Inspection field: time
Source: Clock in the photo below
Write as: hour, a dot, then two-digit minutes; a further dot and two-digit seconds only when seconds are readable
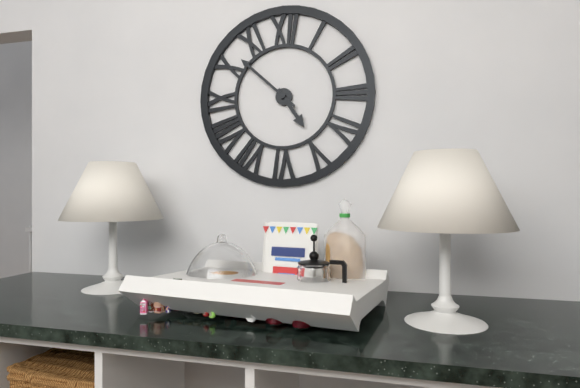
4.52
